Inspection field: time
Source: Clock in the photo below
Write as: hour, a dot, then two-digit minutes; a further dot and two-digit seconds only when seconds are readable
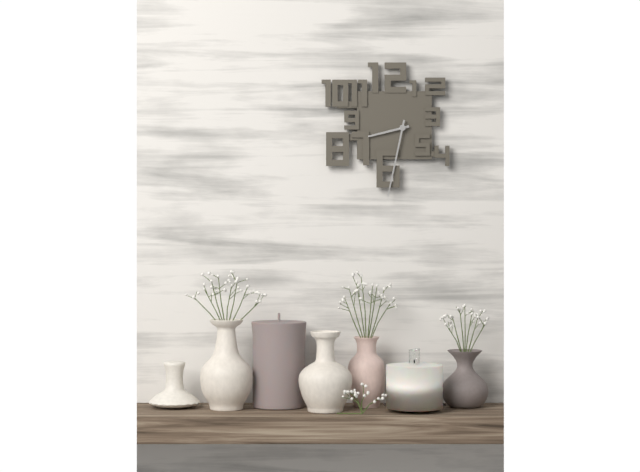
8.32
